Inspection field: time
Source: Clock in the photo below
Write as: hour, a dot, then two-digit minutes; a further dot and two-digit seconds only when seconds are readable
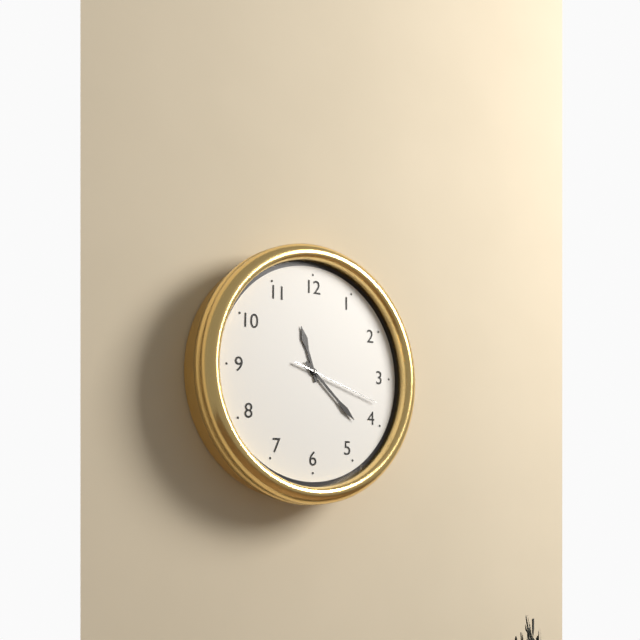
11.22.18
